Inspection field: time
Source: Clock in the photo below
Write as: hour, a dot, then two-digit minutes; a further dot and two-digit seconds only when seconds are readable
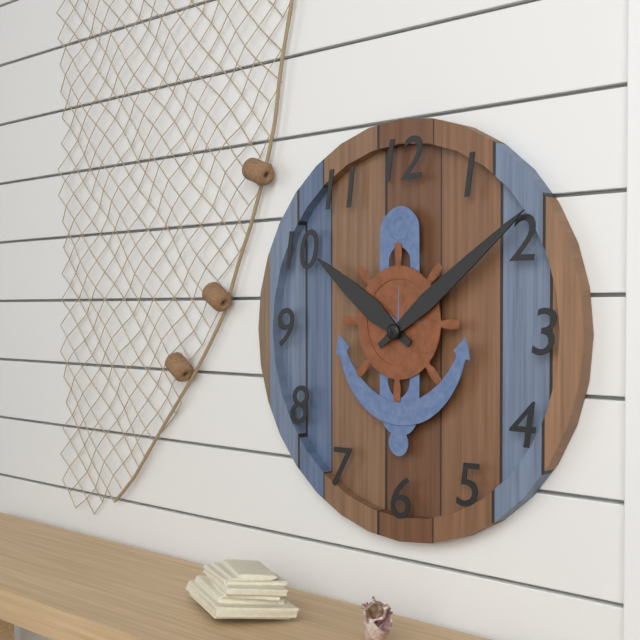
10.09
